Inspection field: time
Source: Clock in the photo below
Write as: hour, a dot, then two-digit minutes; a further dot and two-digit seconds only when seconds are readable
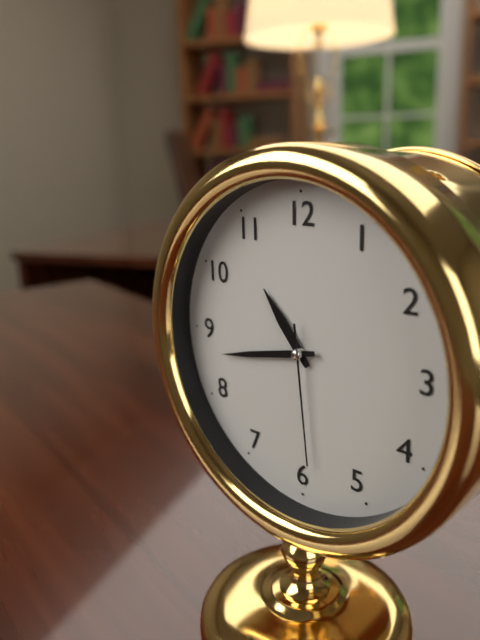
10.43.29
